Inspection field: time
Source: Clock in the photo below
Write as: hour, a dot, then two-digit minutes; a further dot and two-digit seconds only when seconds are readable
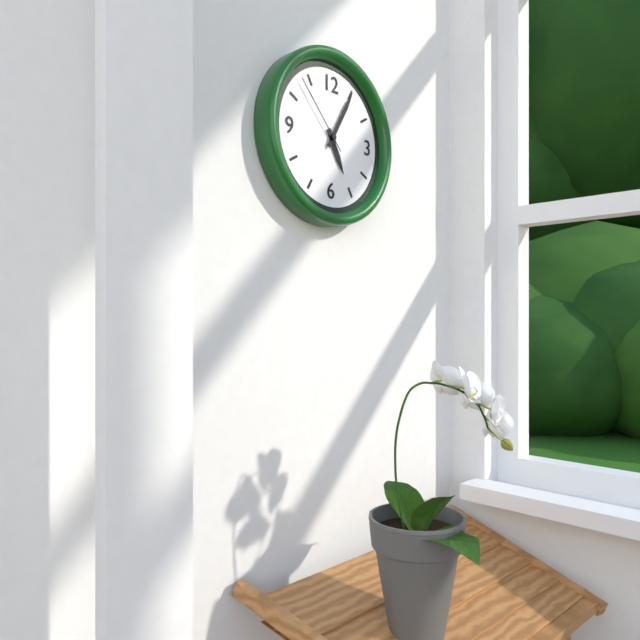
5.05.53
